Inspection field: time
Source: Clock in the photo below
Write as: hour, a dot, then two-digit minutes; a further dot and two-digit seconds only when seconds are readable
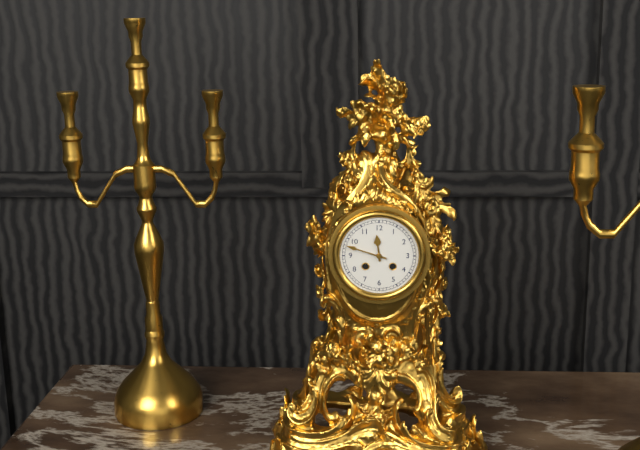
11.48
